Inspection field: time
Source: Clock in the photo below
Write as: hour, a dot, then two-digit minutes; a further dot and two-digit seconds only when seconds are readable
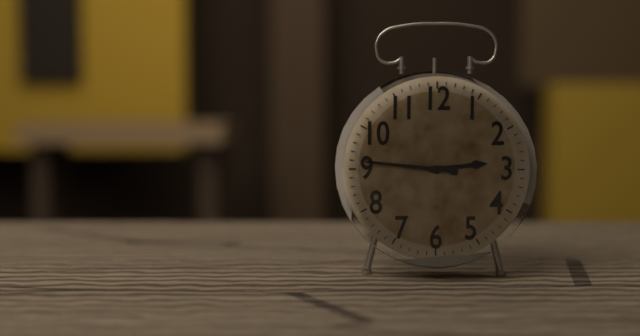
2.46
